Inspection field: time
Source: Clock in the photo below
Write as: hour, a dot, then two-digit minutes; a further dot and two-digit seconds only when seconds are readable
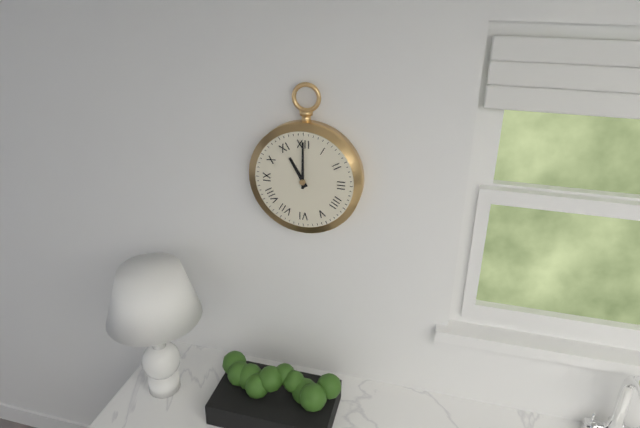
11.00
